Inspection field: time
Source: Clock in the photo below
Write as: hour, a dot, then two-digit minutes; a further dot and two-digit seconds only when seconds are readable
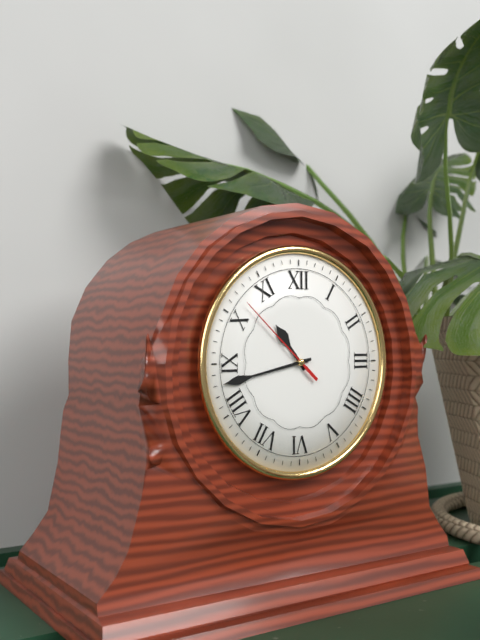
10.43.52
